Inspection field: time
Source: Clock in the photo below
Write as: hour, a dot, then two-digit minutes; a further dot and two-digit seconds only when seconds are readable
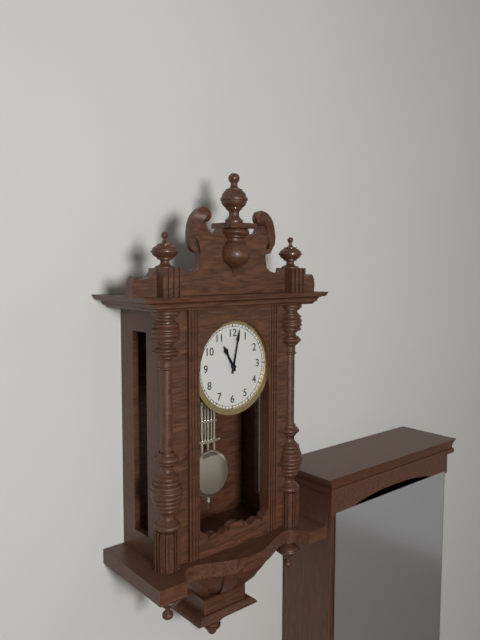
11.02
